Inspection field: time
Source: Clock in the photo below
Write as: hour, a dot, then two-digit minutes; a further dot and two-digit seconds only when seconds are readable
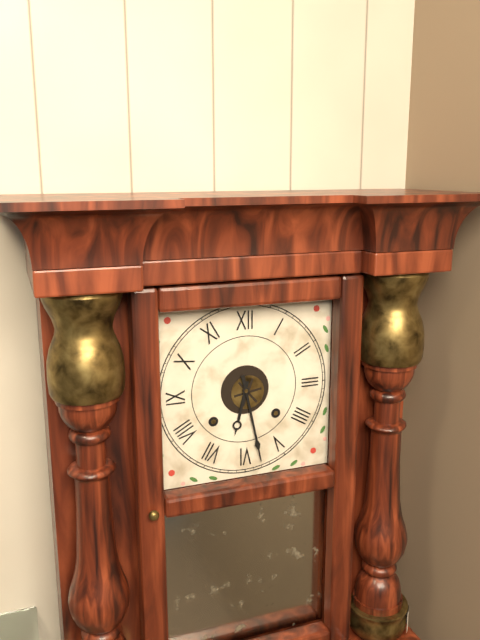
6.28
